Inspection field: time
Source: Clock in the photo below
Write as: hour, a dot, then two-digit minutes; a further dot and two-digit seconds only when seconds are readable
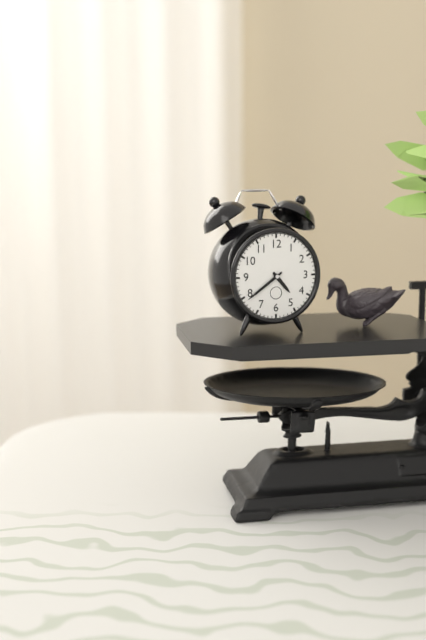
4.39
